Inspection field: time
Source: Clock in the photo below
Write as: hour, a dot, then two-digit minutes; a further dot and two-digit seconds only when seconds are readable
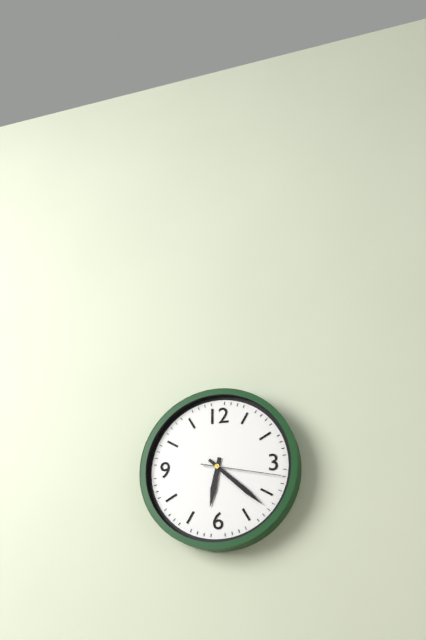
6.22.17
